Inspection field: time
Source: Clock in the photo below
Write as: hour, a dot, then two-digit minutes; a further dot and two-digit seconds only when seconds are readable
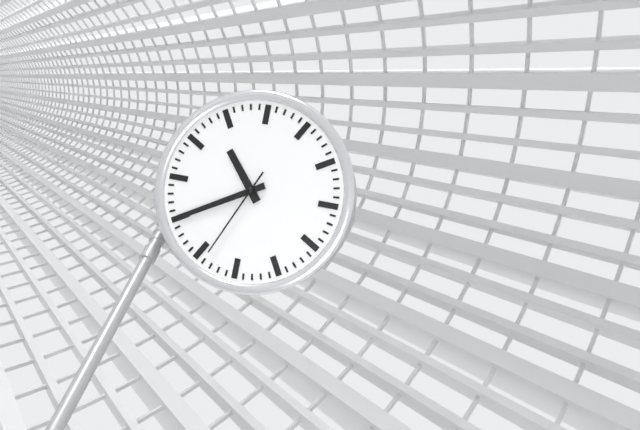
10.40.34
